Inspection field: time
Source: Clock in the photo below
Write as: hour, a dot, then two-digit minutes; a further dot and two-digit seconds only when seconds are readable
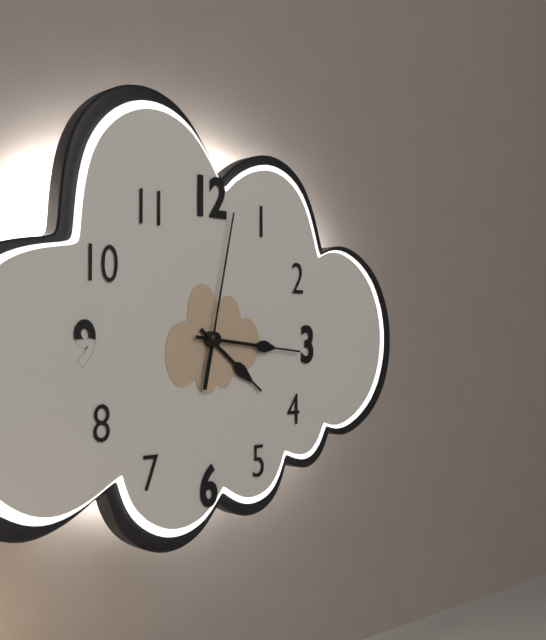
4.16.02
